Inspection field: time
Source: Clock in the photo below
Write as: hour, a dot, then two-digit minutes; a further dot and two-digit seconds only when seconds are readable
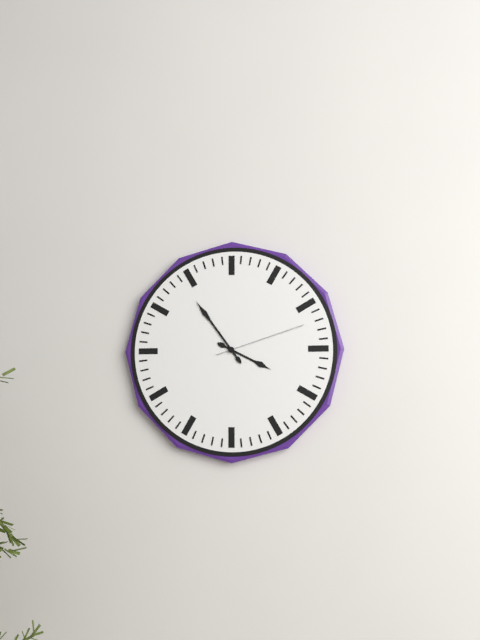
3.54.12
